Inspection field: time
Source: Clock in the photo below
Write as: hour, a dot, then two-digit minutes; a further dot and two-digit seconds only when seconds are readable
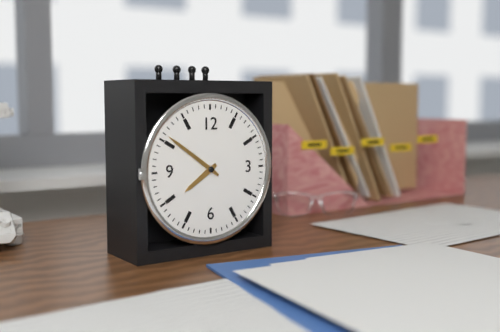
7.51
